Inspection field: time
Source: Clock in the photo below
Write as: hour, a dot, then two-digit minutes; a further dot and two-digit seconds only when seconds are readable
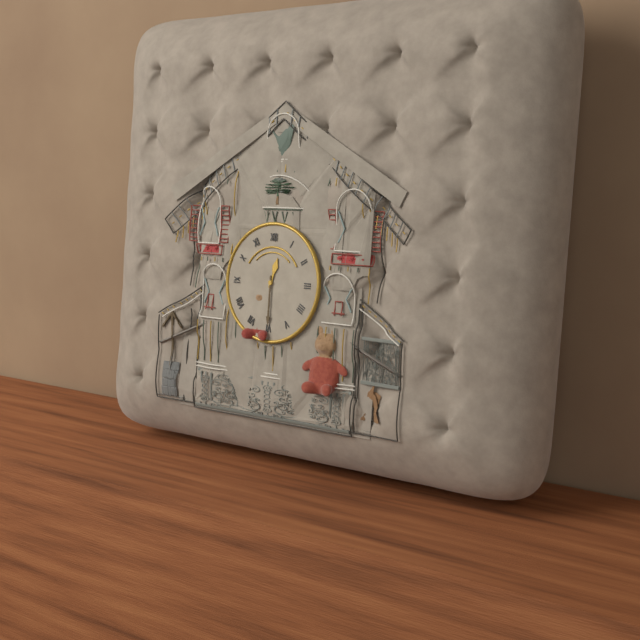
12.30
